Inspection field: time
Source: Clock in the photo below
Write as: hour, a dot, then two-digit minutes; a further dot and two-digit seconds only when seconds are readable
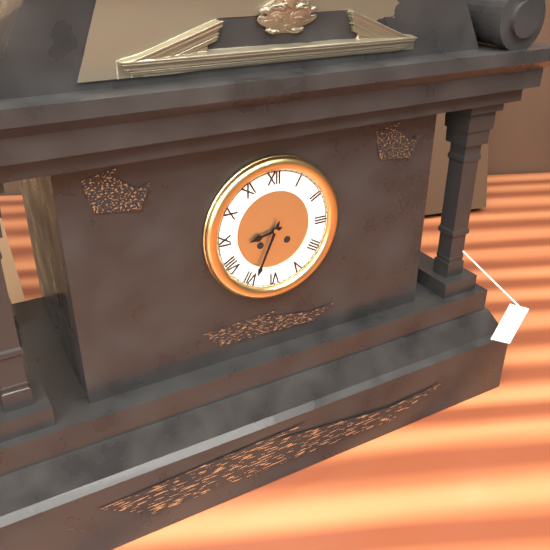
8.34
